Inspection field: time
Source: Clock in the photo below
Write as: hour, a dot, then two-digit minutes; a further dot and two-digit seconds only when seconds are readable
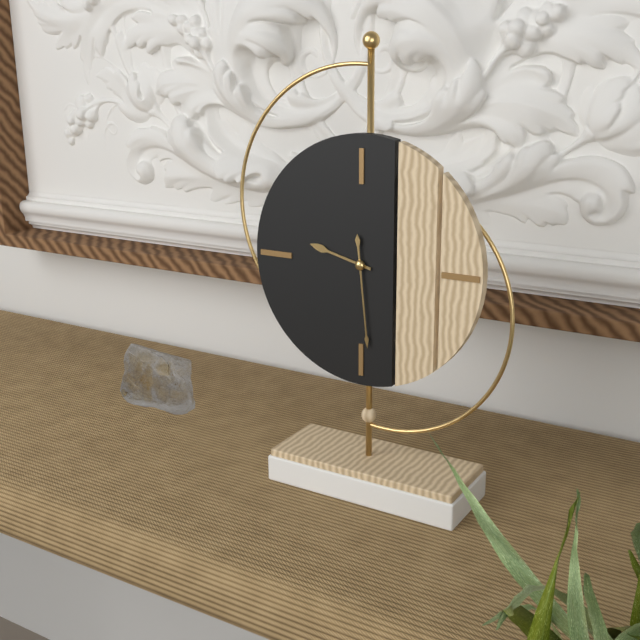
9.29
